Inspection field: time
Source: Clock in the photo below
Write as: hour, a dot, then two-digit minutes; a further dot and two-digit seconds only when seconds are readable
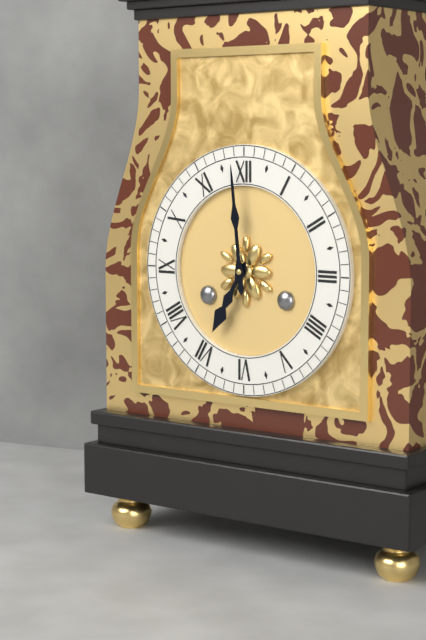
6.59
